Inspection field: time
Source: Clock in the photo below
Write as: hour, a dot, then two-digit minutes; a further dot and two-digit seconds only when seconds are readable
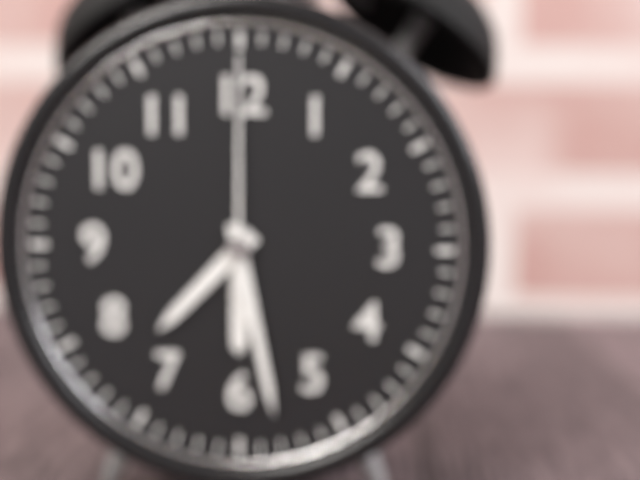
7.28.00
